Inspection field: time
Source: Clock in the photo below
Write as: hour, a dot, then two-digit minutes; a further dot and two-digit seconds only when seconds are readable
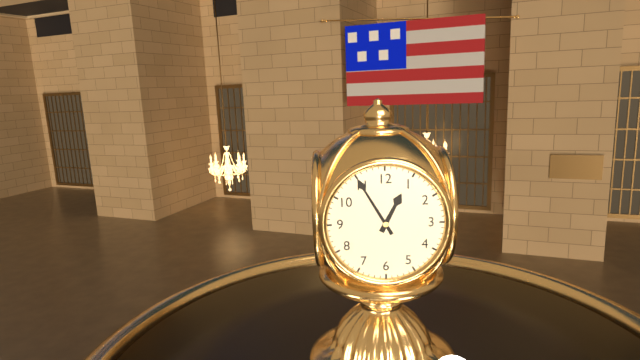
12.55
